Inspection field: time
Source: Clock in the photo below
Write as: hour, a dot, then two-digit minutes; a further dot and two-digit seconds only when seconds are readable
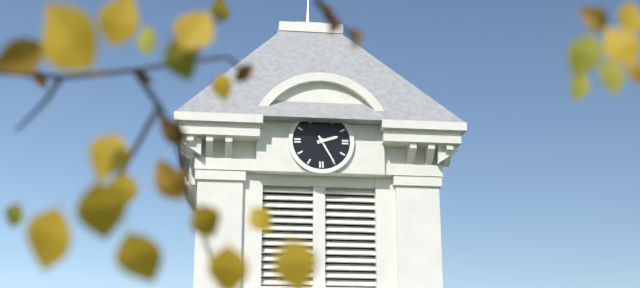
2.25
